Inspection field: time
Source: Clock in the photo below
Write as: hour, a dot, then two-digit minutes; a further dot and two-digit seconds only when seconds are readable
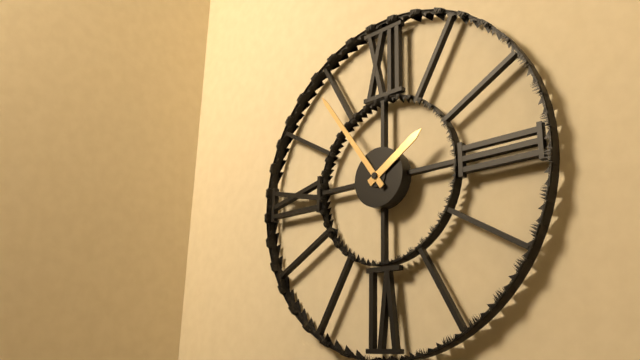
1.54
